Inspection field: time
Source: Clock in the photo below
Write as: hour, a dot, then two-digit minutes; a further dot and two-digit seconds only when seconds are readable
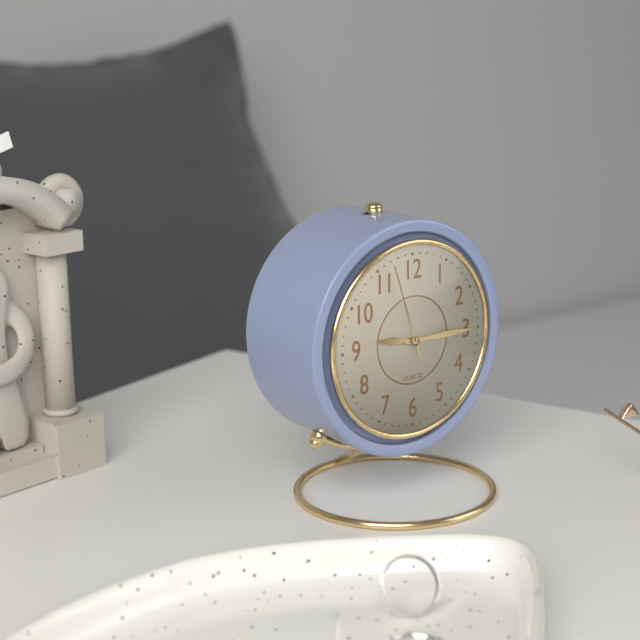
9.15.57
